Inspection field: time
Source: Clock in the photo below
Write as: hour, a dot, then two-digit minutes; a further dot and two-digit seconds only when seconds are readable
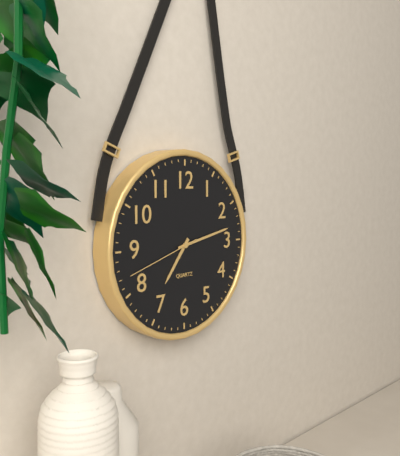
7.13.42
